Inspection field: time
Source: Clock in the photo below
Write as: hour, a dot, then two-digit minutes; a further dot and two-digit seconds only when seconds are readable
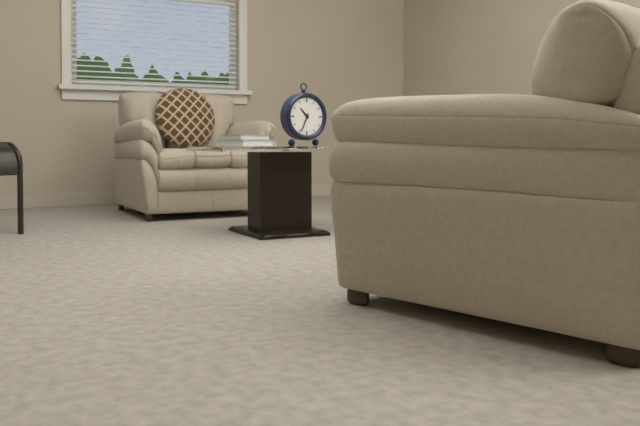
10.34
